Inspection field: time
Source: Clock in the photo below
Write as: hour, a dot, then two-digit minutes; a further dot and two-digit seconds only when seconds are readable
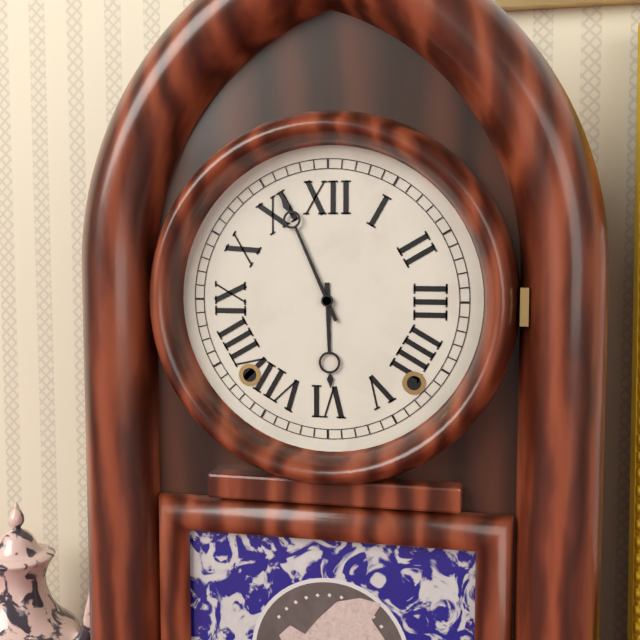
5.56
